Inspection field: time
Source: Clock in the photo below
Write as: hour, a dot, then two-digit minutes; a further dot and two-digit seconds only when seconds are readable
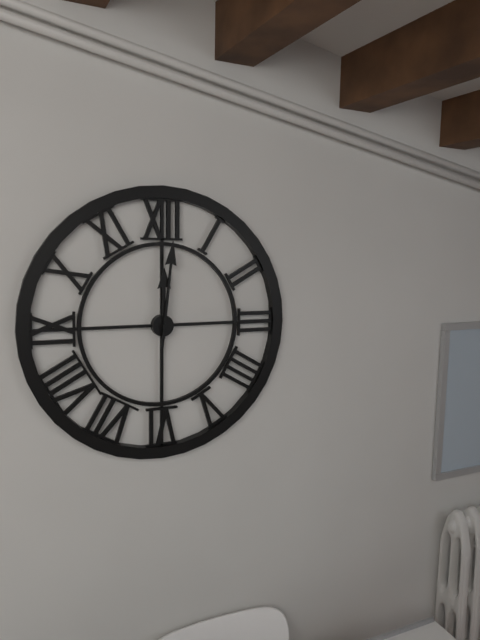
12.01
